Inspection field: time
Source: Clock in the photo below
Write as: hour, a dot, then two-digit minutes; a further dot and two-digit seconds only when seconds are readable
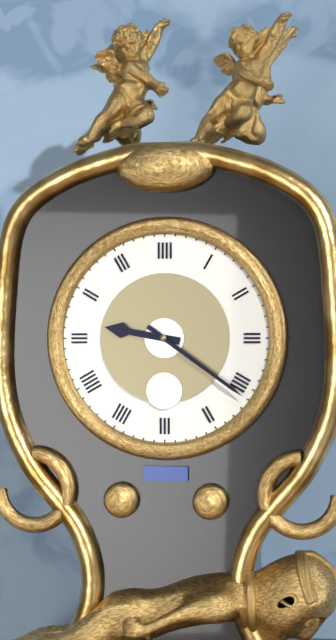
9.21
